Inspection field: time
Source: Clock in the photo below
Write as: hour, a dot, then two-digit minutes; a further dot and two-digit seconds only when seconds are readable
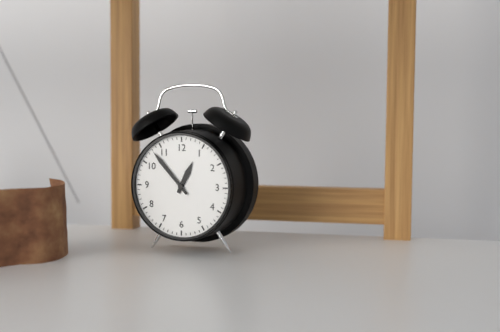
12.53
